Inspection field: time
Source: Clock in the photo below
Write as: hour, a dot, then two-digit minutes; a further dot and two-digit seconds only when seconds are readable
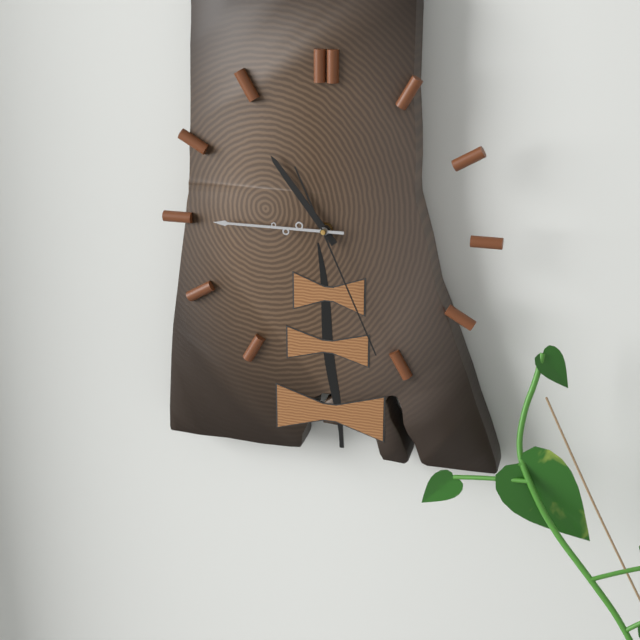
10.45.26
